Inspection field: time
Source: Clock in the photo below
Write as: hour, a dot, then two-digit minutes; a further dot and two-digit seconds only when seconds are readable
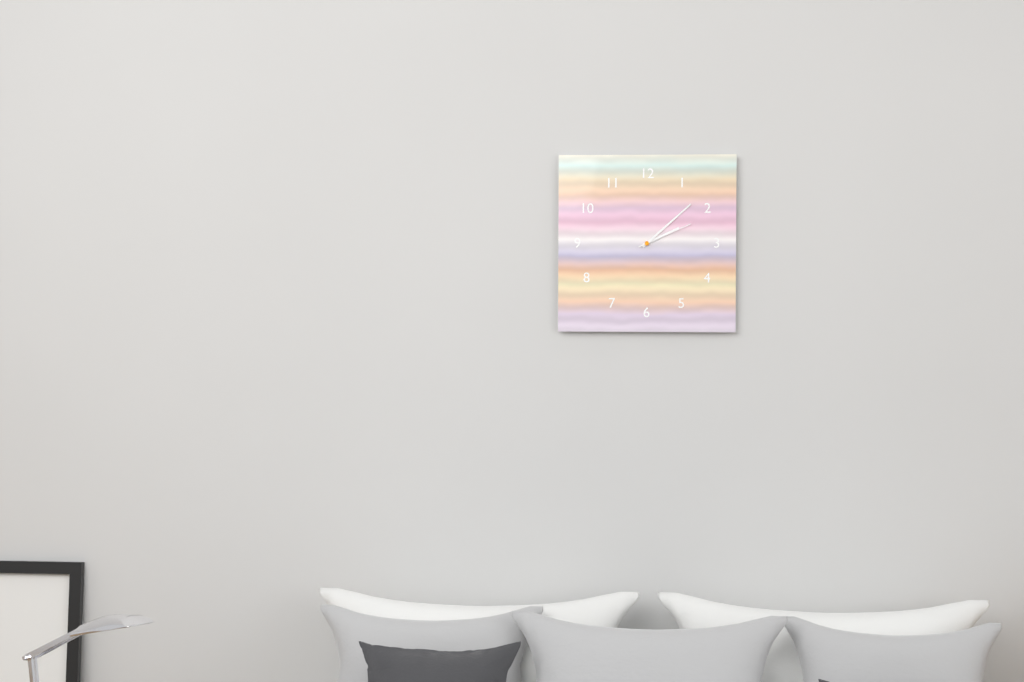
2.08.11
